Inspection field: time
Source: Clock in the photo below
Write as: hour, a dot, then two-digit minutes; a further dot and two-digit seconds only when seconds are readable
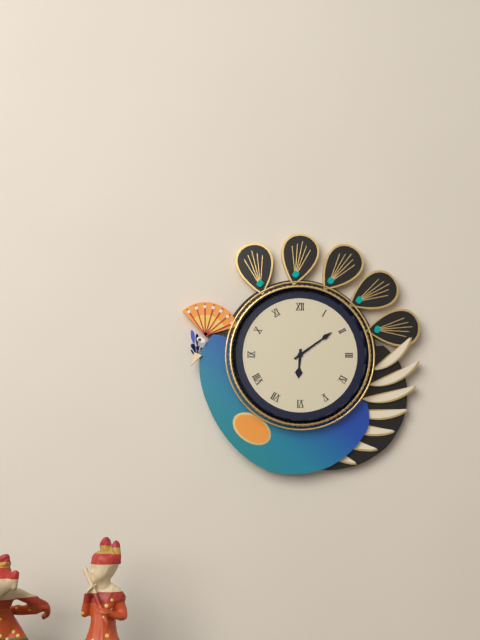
6.09
